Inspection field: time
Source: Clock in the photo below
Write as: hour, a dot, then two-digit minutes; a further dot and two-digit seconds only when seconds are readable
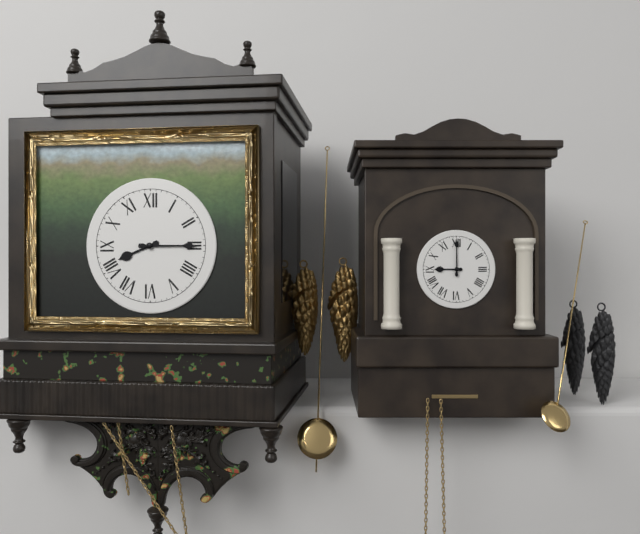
8.15
